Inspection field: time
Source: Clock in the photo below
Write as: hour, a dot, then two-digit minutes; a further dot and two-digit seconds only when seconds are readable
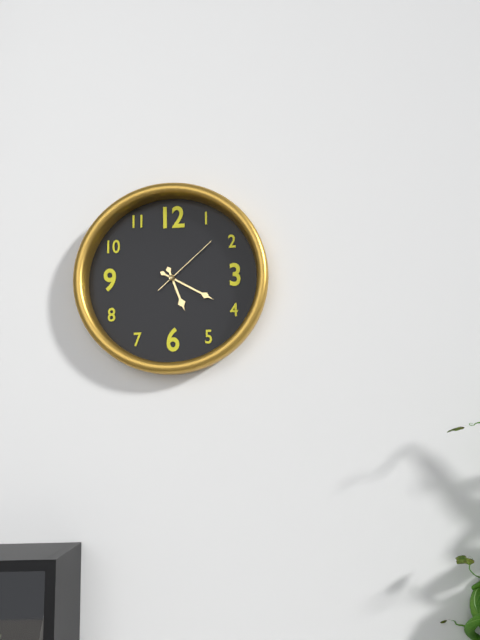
5.20.08
